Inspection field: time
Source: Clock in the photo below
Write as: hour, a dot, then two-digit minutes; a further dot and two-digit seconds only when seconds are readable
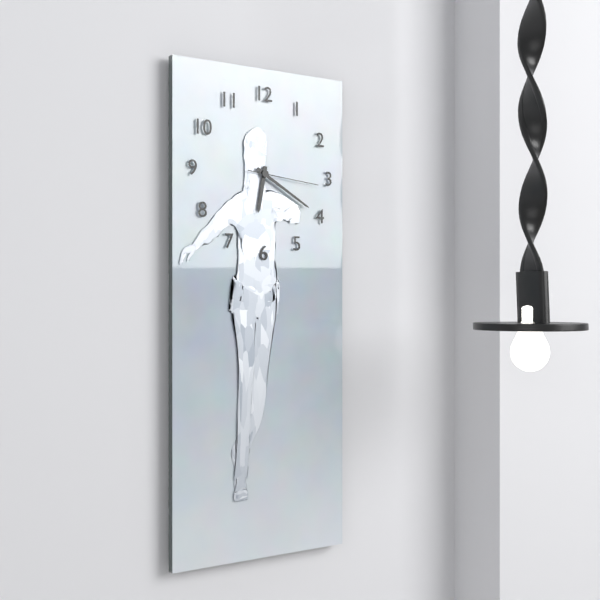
6.20.16
